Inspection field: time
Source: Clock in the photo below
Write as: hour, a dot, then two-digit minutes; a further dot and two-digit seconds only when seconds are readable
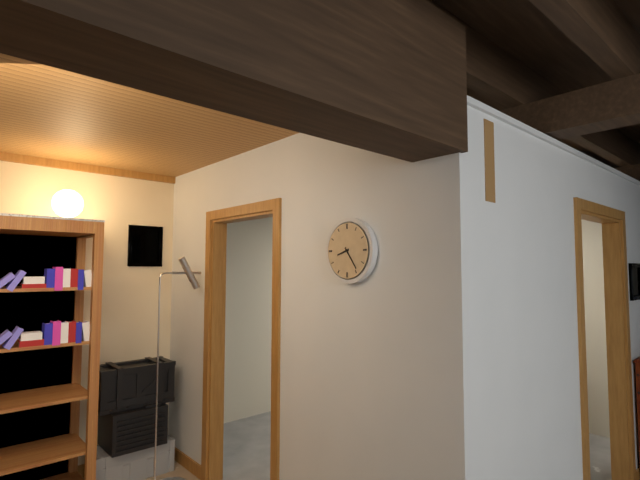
8.24
